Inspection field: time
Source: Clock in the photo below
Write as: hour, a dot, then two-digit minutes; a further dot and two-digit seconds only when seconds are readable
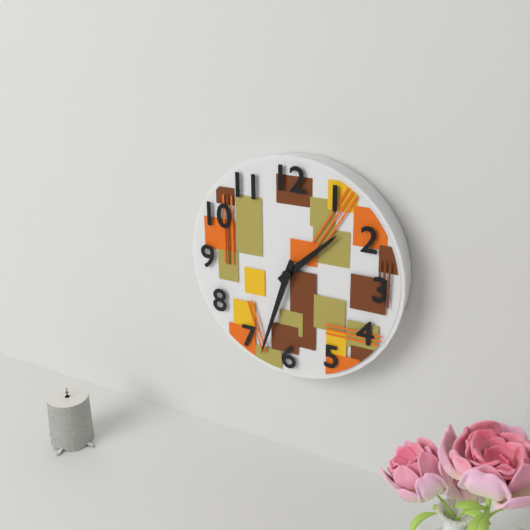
1.33
